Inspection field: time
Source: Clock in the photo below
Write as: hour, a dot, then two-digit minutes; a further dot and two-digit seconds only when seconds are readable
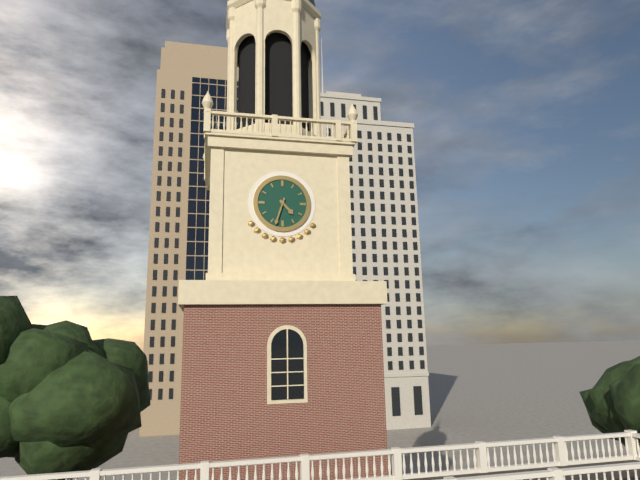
4.33
